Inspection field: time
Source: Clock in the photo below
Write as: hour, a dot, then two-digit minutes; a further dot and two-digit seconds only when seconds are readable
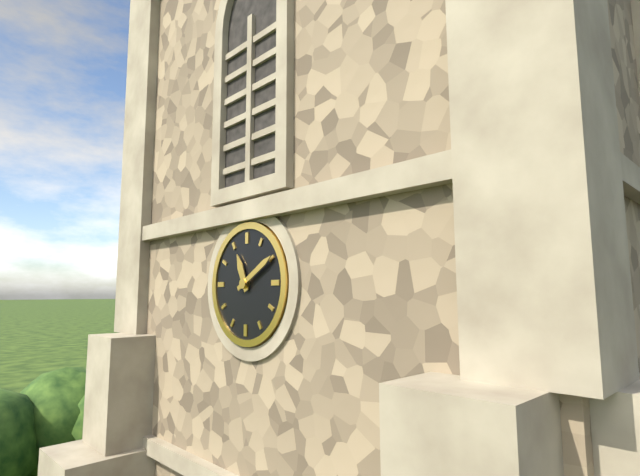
11.10
